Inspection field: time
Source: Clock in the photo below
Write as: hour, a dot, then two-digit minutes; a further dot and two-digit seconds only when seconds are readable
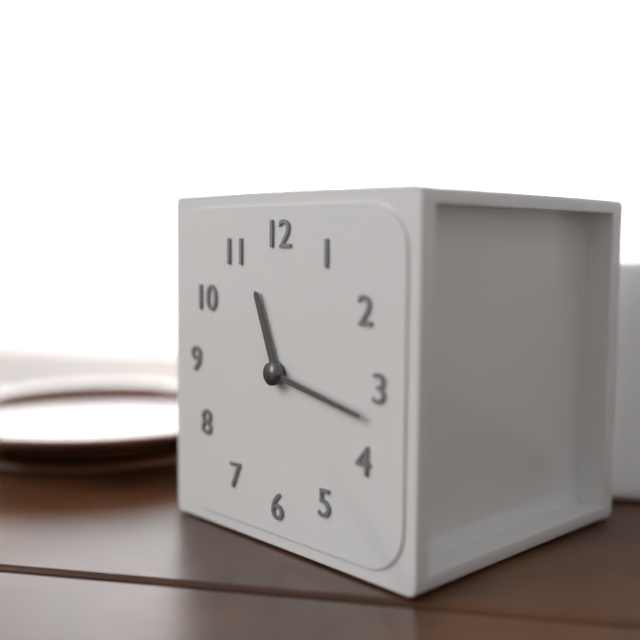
11.17
